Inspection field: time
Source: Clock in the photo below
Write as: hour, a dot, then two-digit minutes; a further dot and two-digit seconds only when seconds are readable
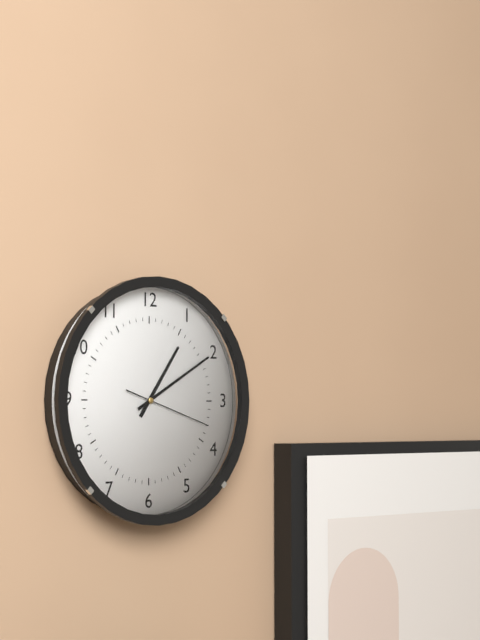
1.10.18
